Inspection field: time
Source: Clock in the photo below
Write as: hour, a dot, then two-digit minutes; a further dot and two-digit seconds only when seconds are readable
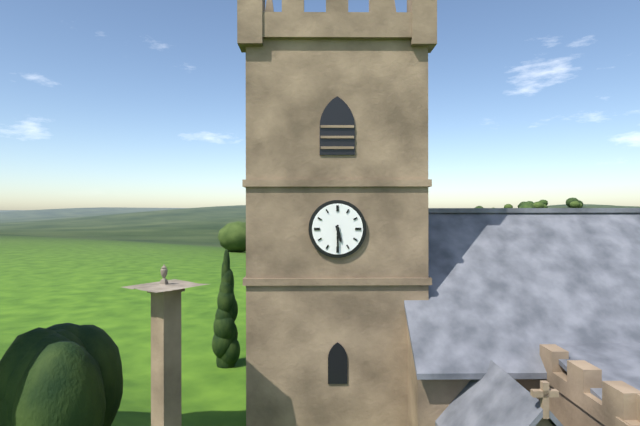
5.30
